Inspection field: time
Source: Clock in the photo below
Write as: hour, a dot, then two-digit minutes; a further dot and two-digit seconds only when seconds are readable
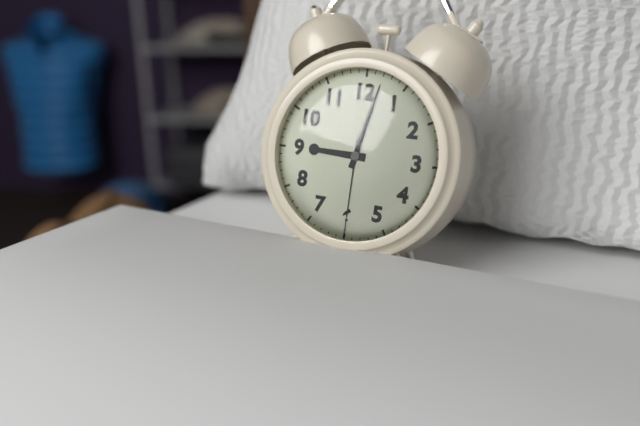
9.02.30
